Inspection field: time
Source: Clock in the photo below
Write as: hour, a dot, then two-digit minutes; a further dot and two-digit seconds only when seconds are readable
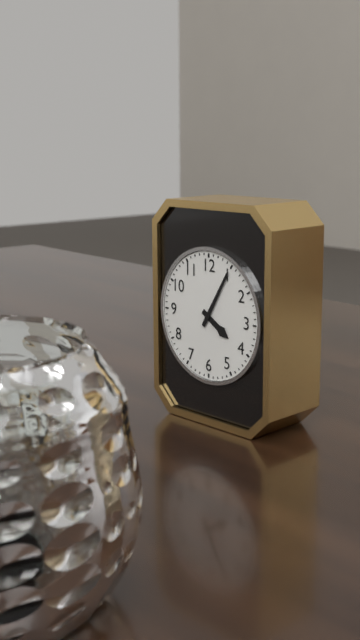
4.05
